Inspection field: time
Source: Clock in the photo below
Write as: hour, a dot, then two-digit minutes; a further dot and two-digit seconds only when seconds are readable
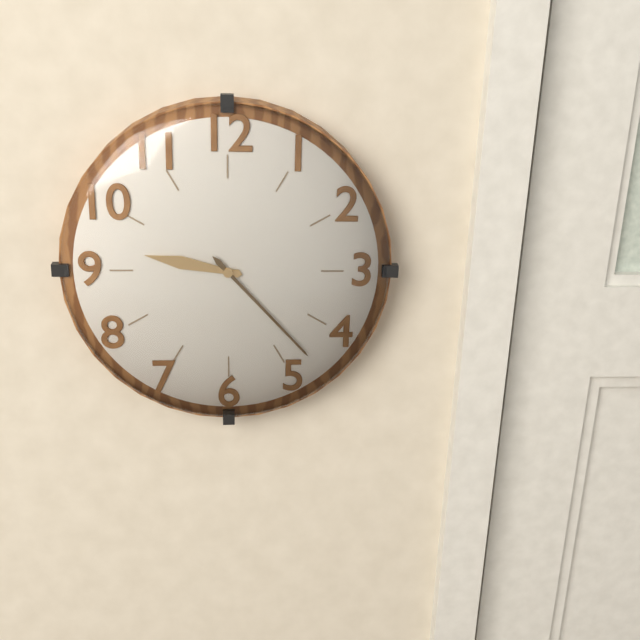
9.23
